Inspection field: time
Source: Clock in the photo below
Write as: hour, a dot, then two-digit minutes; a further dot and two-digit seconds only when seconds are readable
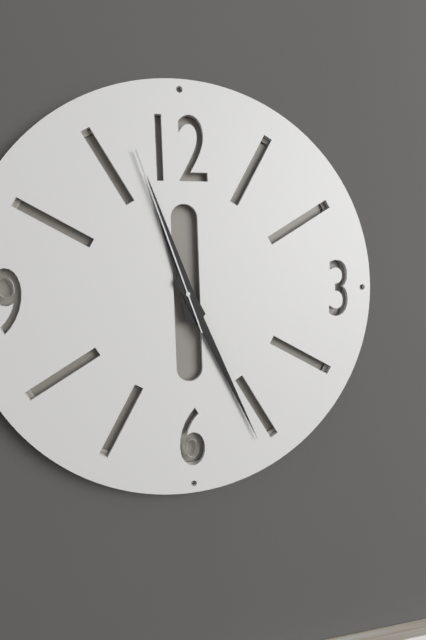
11.26.57
